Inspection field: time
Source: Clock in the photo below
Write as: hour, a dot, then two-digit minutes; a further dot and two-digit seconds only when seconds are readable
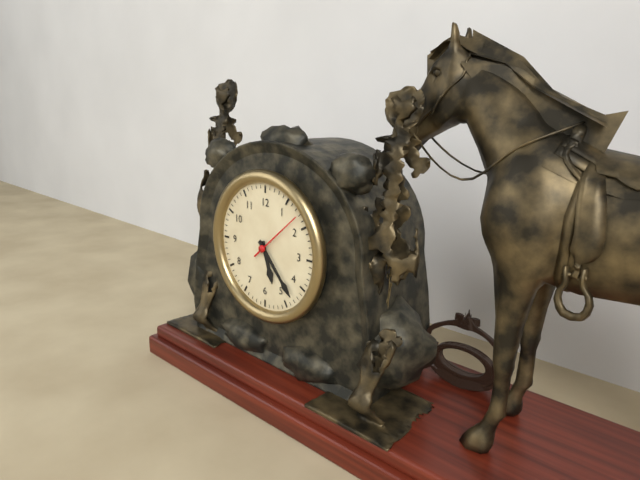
5.23.08
